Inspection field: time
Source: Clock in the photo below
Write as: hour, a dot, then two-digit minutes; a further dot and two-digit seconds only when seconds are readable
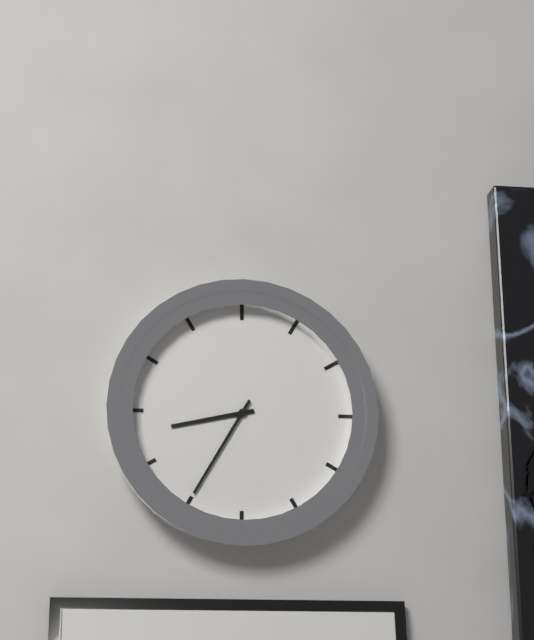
8.35
